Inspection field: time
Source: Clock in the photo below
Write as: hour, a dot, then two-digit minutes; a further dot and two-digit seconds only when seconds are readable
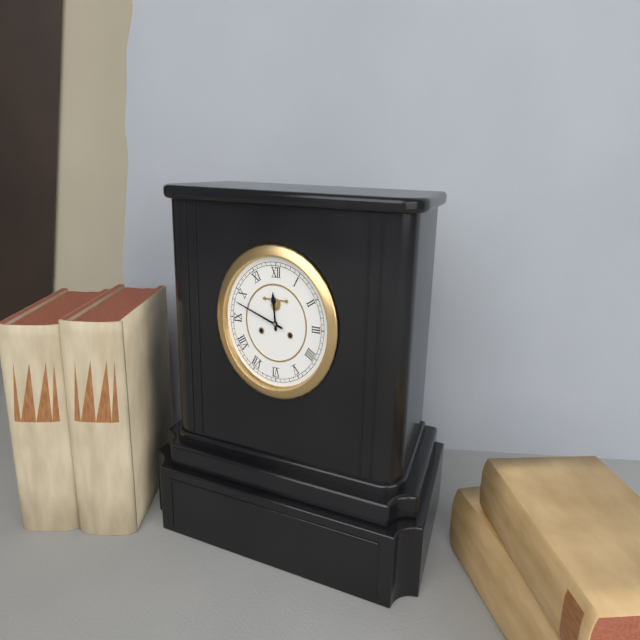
11.48
